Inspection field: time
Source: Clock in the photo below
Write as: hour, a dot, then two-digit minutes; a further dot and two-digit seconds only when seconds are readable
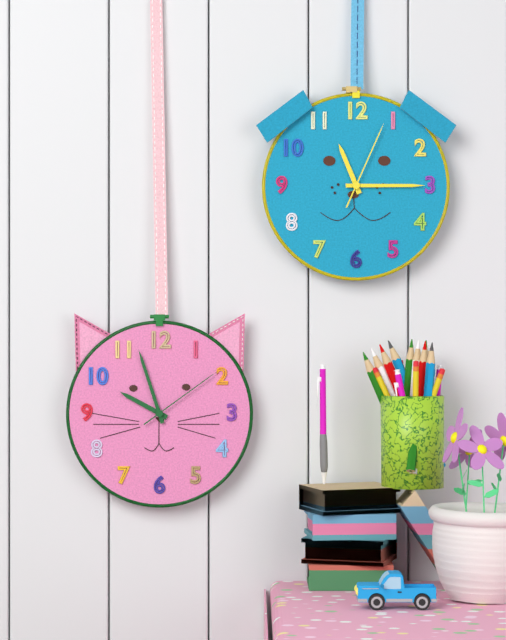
9.57.09
